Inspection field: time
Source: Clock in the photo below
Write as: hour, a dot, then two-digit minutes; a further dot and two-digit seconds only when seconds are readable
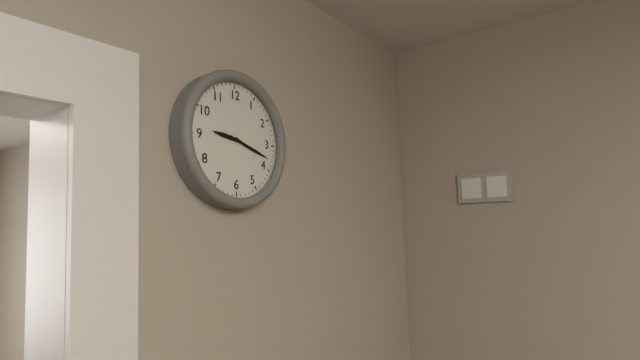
9.18
